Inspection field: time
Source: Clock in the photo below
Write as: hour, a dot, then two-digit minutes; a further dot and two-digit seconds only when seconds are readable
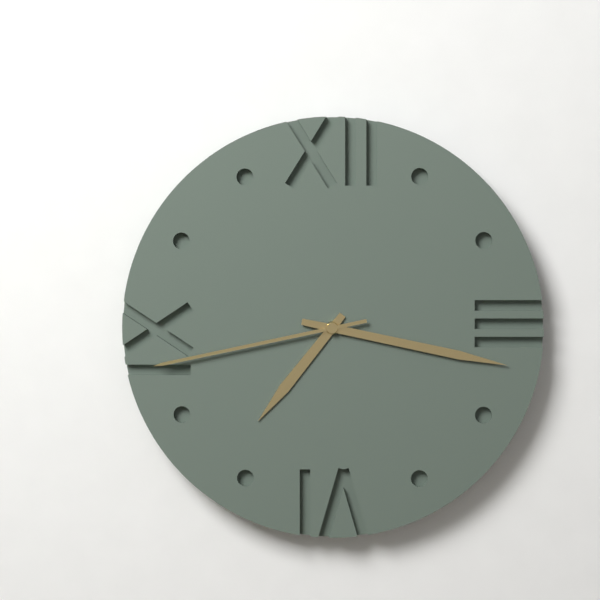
7.17.43
